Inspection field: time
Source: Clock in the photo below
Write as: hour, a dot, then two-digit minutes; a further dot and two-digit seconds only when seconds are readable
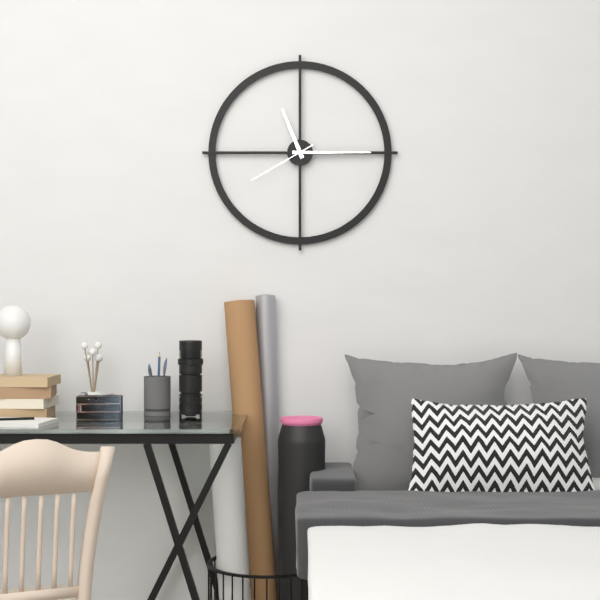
11.15.40
